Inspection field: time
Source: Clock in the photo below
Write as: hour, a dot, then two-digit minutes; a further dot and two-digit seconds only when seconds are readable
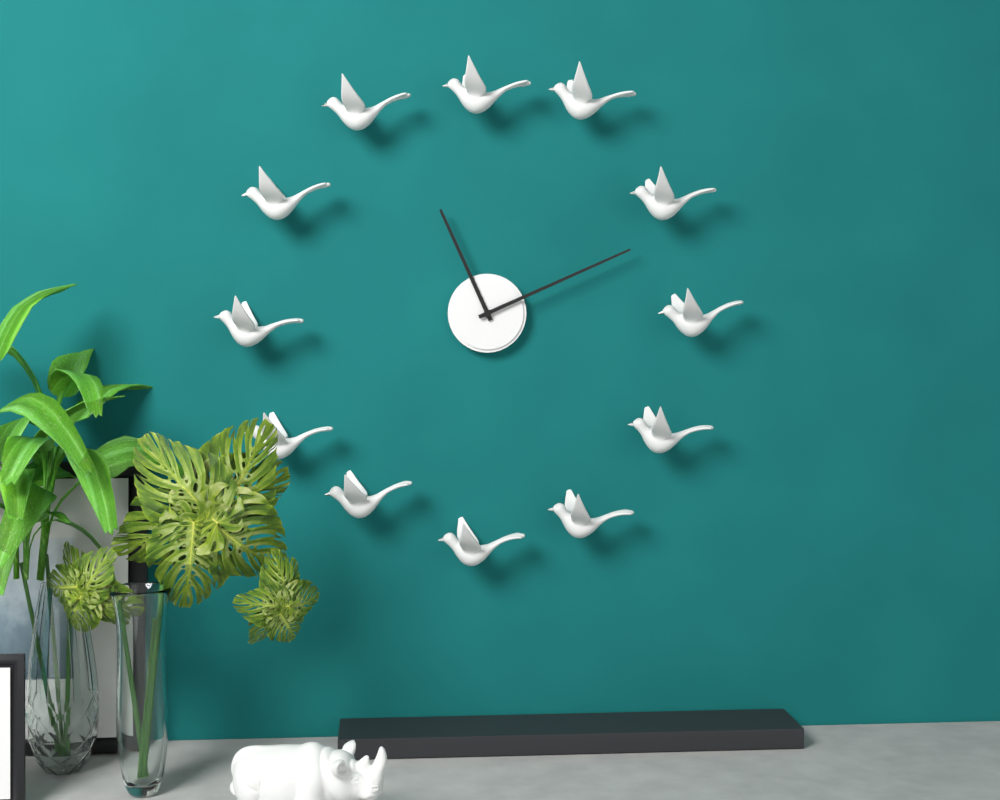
11.11
